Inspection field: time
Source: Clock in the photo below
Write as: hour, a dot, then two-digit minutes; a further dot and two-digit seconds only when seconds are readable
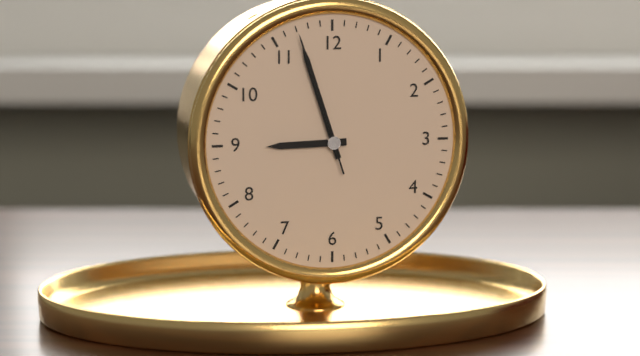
8.57.57
